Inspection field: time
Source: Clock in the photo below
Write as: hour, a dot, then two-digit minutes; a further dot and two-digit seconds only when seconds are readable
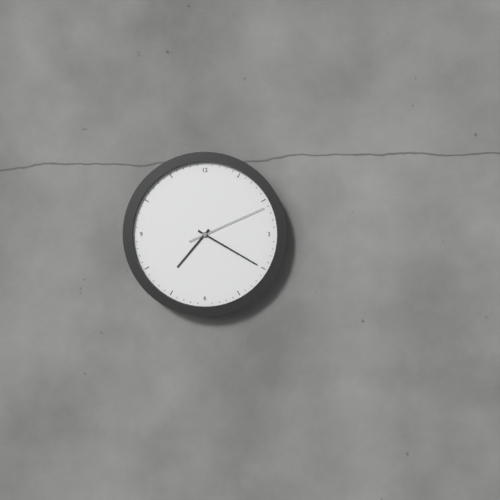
7.20.11
